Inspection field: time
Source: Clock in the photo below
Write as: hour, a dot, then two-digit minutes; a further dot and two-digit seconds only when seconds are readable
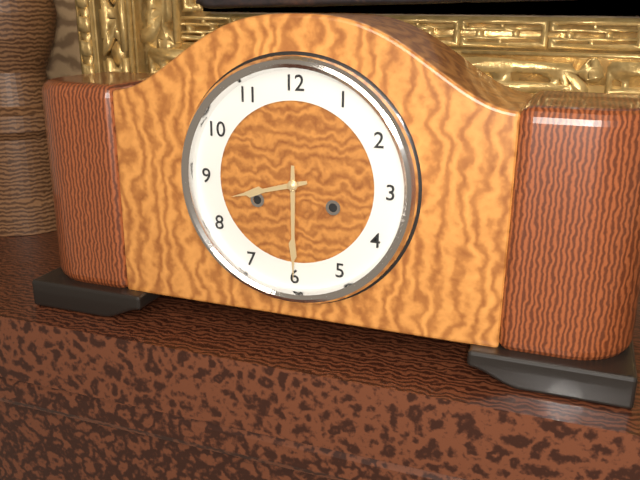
8.30
